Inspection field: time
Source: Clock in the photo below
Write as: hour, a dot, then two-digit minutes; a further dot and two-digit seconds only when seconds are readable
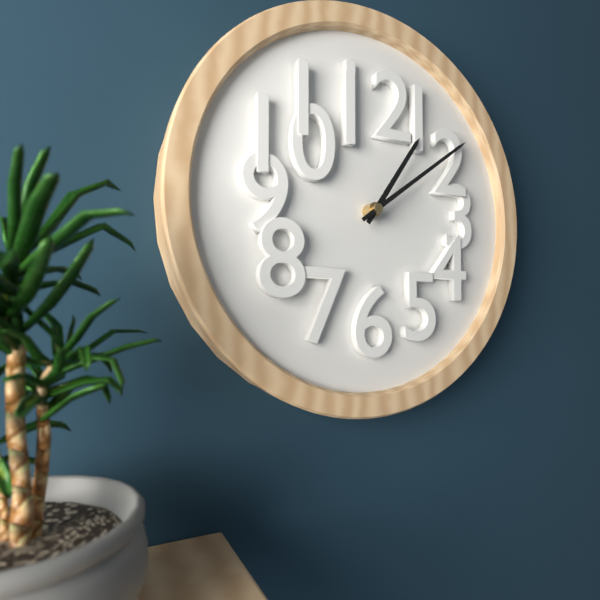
1.09
